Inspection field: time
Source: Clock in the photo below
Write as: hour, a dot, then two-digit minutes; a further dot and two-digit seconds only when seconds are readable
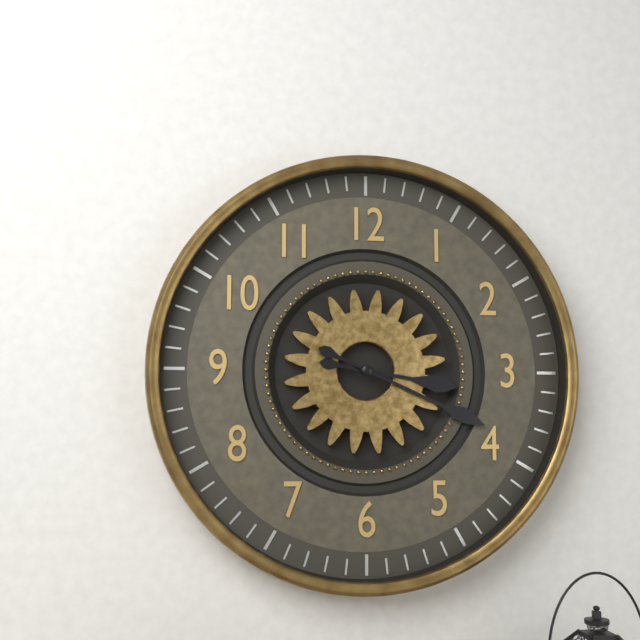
3.19
